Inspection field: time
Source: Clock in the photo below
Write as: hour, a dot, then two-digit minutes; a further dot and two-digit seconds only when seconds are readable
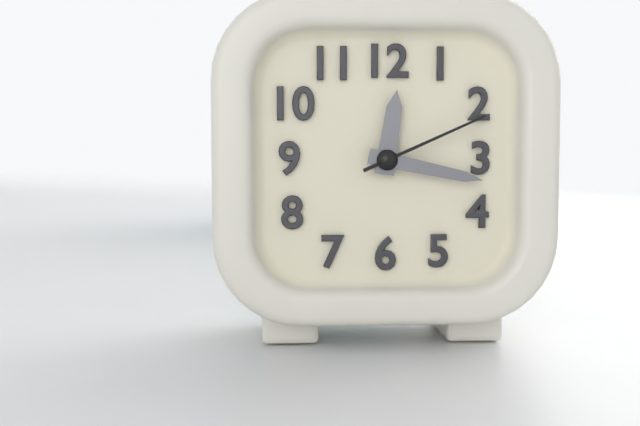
12.17.11
